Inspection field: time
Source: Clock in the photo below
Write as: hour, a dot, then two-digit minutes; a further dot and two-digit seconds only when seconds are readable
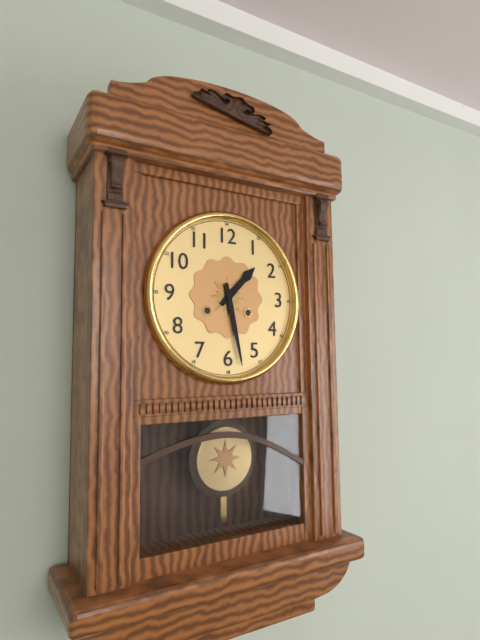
1.28
